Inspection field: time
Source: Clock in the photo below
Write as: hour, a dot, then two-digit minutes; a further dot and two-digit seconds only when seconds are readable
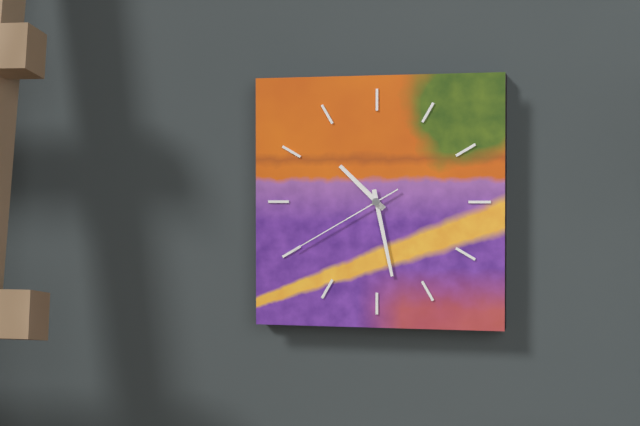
10.28.40
